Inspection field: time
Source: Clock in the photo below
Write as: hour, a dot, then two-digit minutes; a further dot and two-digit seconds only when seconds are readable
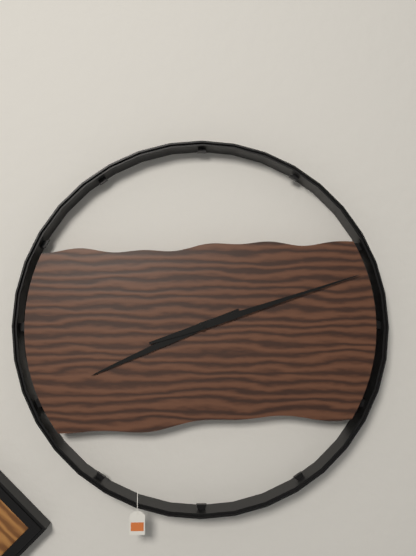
8.12
